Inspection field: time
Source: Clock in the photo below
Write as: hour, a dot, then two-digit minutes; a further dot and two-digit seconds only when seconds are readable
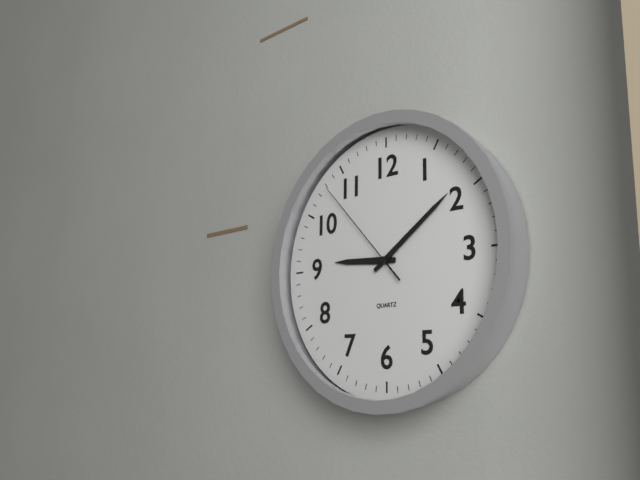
9.09.53
